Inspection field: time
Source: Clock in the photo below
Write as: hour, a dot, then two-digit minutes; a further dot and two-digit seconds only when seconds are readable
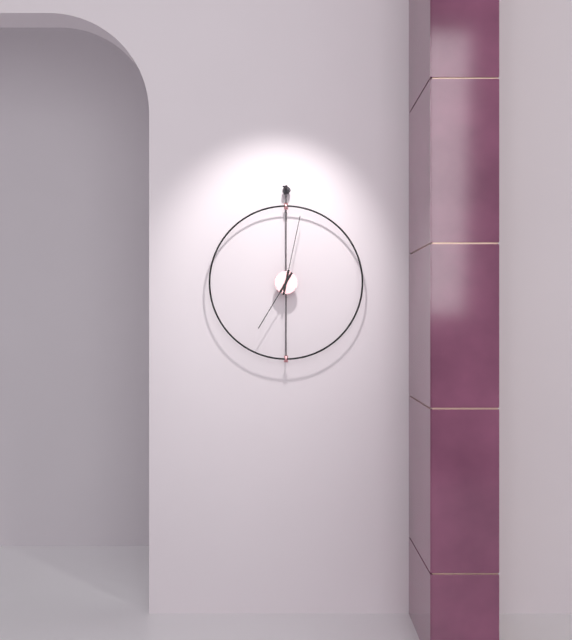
7.02
